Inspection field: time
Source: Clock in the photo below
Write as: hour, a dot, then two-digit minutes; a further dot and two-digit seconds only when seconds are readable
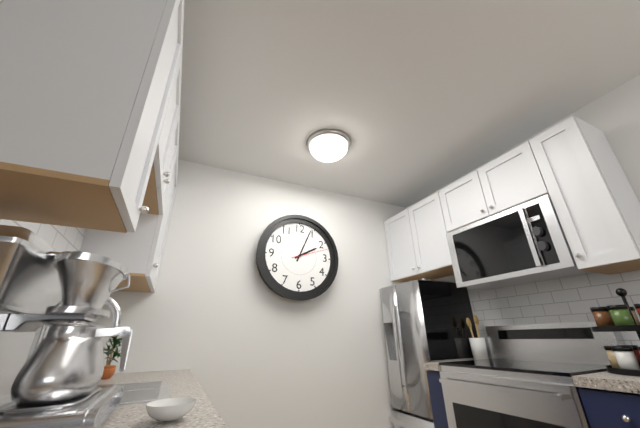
2.04
